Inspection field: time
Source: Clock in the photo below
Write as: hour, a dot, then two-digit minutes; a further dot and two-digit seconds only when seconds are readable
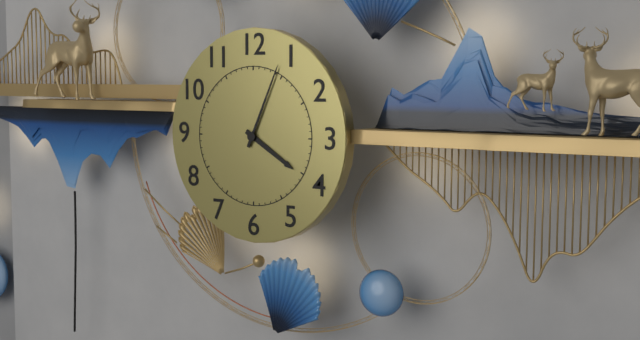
4.04
